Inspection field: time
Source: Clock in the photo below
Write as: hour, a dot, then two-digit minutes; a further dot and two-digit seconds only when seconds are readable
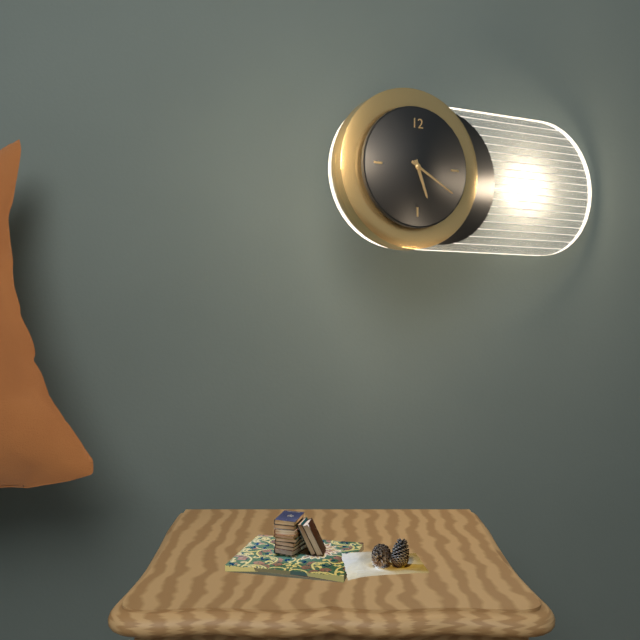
5.20
